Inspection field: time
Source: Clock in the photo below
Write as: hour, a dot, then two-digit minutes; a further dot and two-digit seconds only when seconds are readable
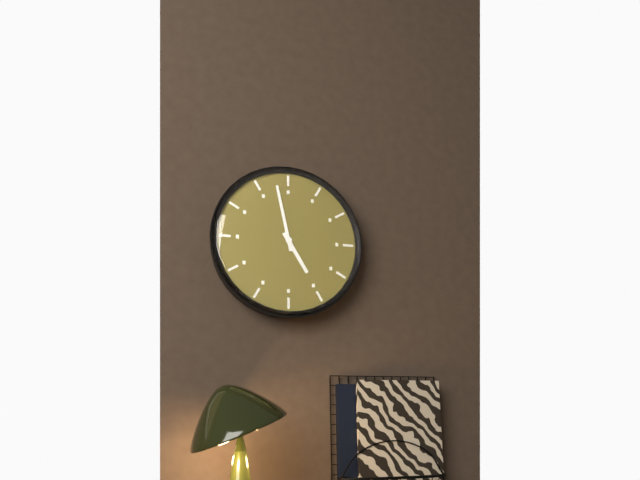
4.58
